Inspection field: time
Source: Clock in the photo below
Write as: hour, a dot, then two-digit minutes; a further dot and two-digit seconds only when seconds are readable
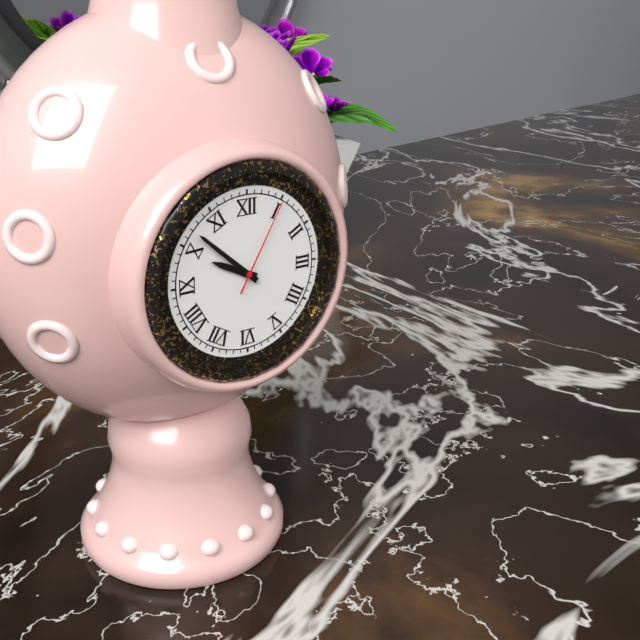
9.52.05
